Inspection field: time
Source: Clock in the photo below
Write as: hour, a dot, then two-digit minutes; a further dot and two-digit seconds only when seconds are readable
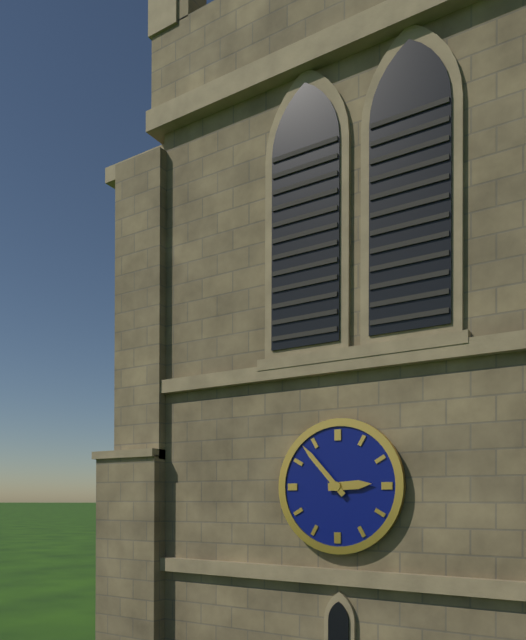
2.53
